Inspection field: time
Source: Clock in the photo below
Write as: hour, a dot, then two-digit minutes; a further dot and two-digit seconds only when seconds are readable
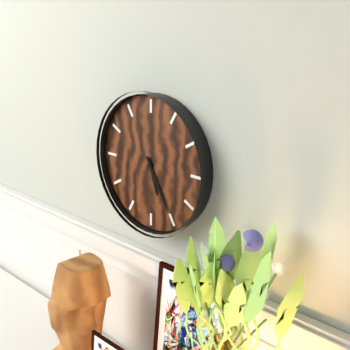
5.25
